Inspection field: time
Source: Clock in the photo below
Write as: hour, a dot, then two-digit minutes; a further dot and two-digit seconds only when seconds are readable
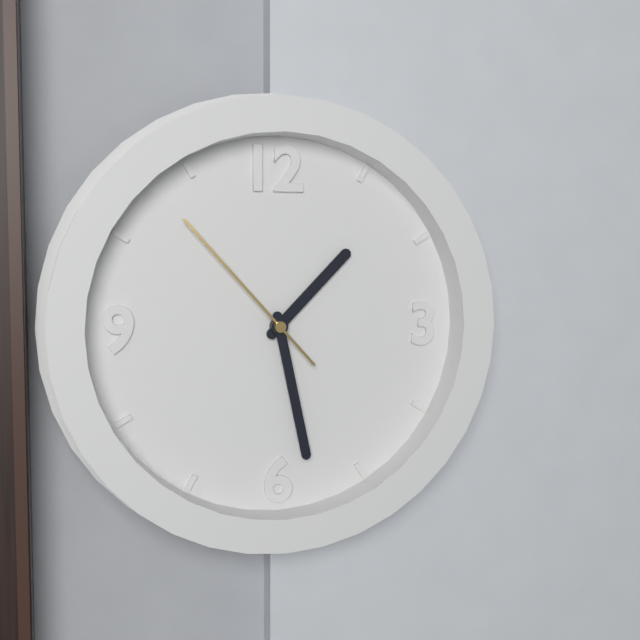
1.28.53
